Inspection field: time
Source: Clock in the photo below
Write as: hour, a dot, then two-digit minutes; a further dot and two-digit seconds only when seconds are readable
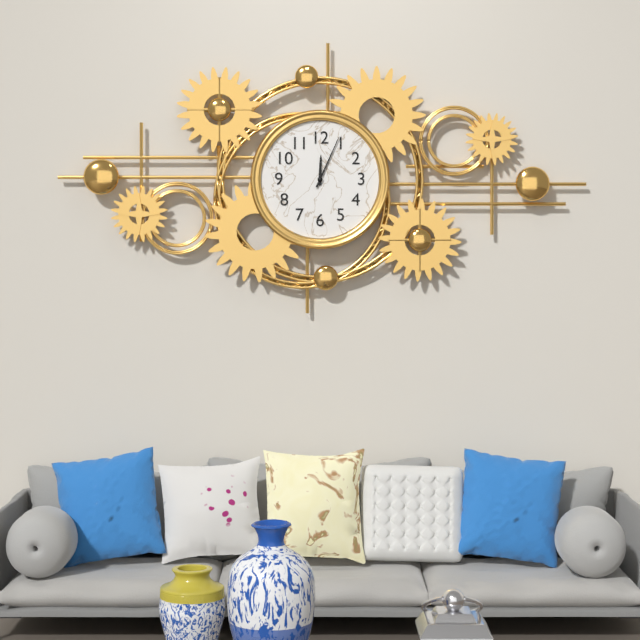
12.04
